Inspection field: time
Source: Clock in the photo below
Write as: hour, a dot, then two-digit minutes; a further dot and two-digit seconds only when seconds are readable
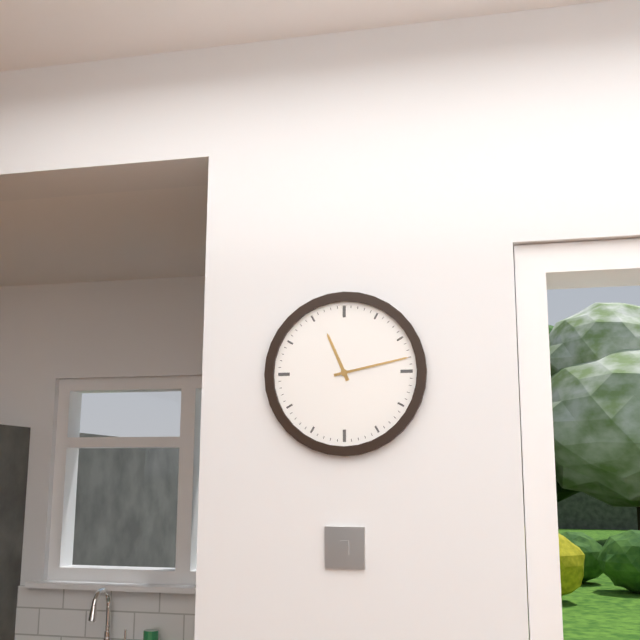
11.13
